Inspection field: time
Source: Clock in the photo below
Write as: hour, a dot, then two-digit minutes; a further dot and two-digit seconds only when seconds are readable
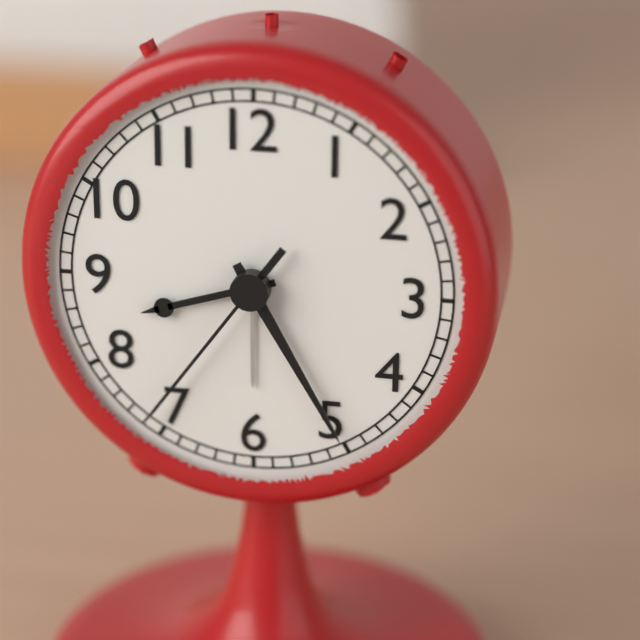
8.25.36
